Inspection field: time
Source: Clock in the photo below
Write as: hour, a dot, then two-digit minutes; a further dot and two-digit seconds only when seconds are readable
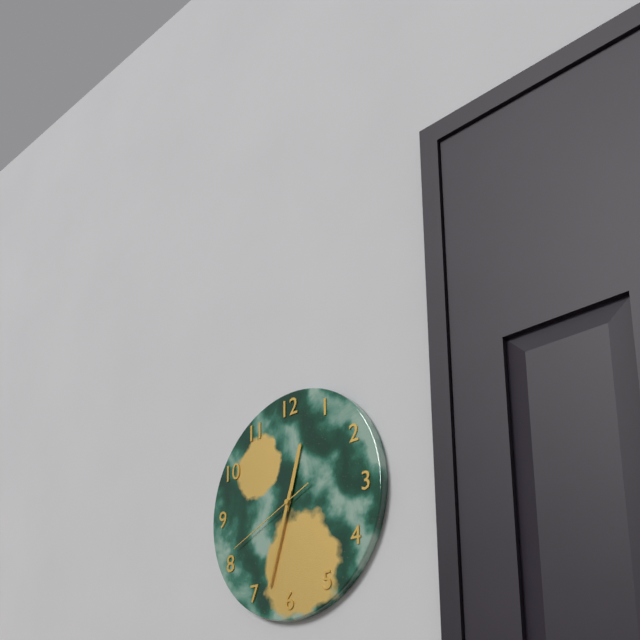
12.33.41
